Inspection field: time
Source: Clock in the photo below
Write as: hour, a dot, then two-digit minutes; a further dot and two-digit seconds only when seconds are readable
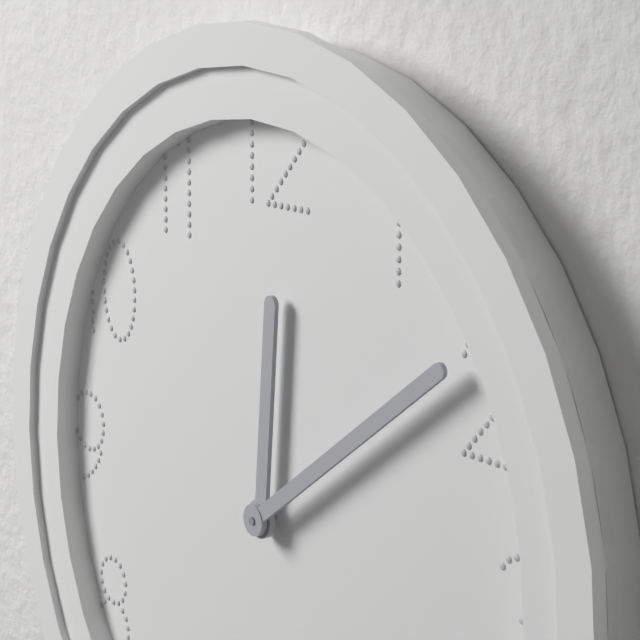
12.09
